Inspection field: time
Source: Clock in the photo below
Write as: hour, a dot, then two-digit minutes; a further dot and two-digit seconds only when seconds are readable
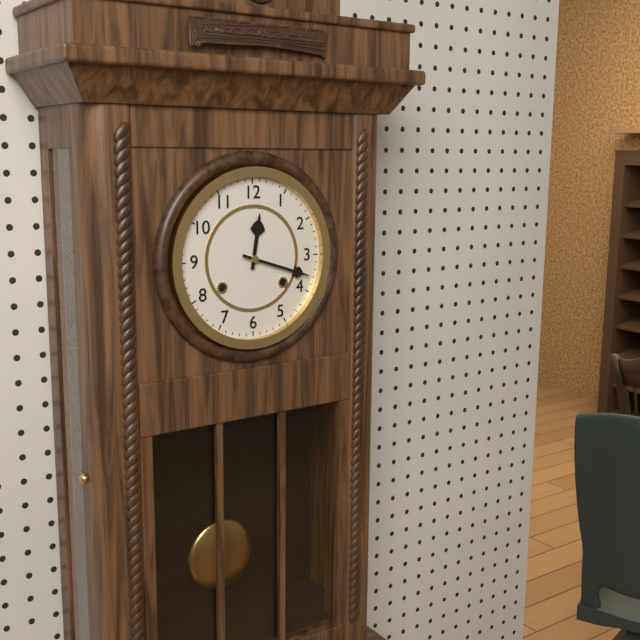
12.18
